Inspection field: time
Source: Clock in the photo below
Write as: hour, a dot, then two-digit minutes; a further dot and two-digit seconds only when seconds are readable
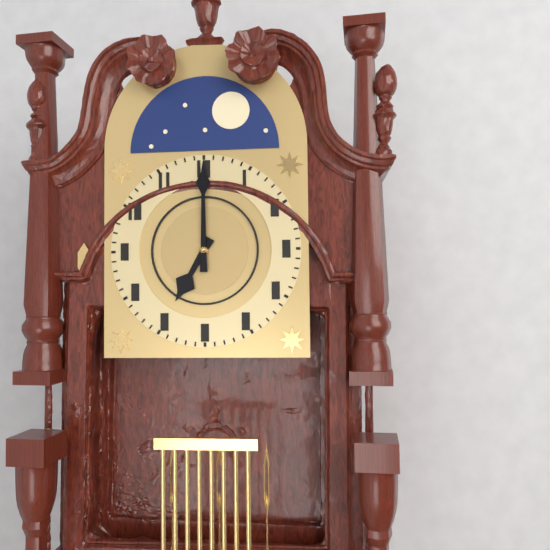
7.00
